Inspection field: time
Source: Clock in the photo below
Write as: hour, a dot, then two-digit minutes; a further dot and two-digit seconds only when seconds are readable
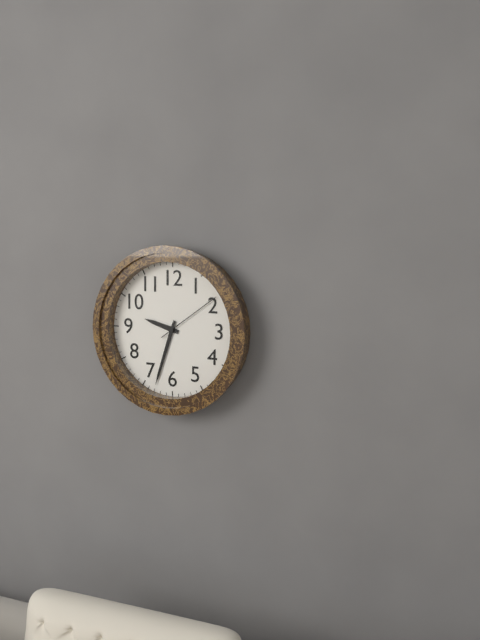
9.33.09
